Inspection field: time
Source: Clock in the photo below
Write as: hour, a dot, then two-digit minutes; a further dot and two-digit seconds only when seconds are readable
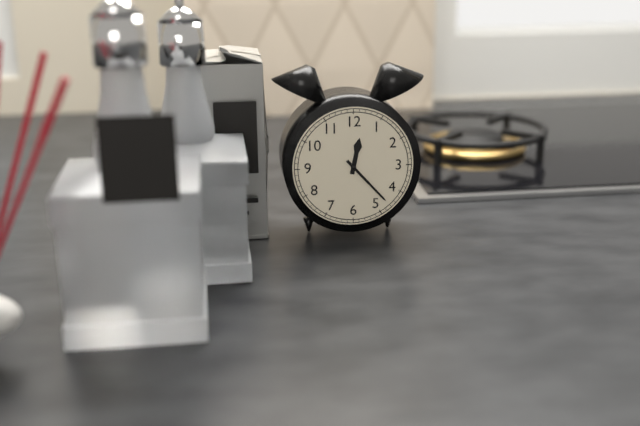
12.23
